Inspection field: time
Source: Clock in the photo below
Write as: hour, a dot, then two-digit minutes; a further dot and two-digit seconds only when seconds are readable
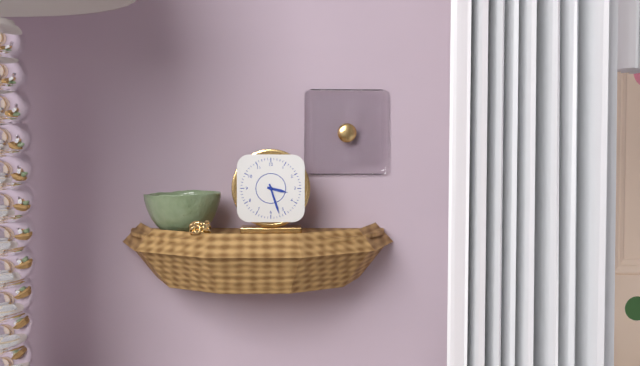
3.27
